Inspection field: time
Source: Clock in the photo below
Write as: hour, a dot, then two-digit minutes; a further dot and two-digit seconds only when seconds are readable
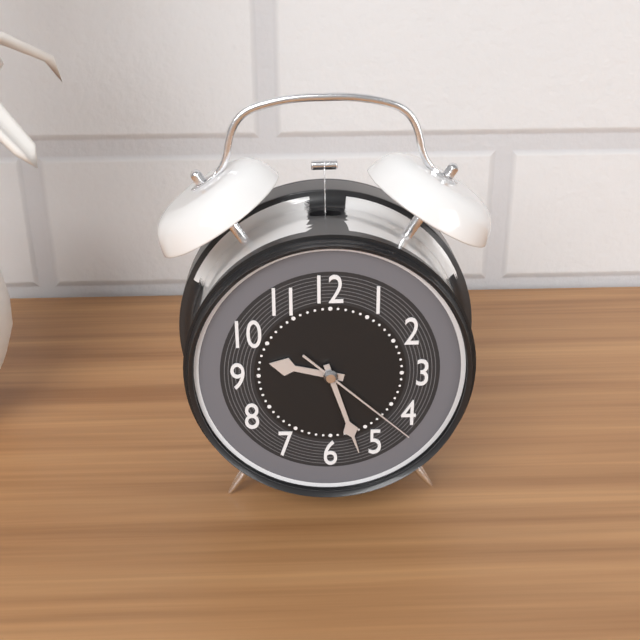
9.27.22
